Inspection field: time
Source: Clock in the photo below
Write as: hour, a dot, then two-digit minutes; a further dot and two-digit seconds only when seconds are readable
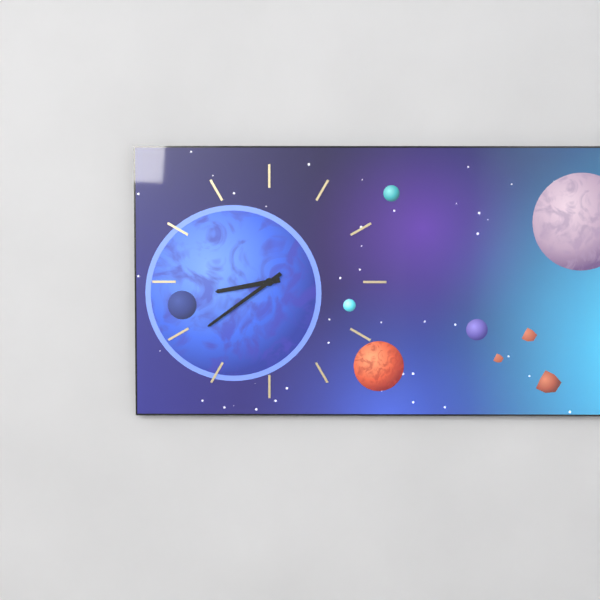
8.39
